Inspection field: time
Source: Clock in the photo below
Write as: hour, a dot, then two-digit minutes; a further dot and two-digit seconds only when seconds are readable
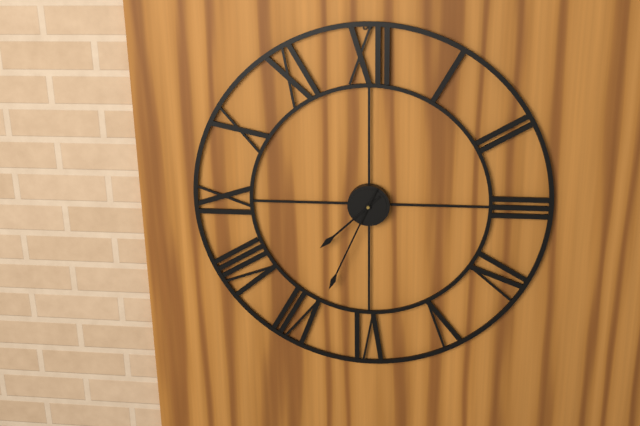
7.34
